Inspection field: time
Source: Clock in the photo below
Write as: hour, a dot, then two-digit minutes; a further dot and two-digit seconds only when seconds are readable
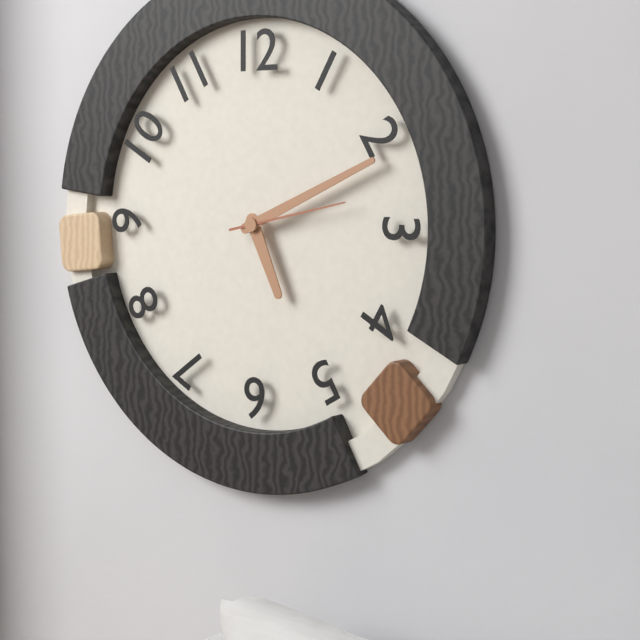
5.11.13
